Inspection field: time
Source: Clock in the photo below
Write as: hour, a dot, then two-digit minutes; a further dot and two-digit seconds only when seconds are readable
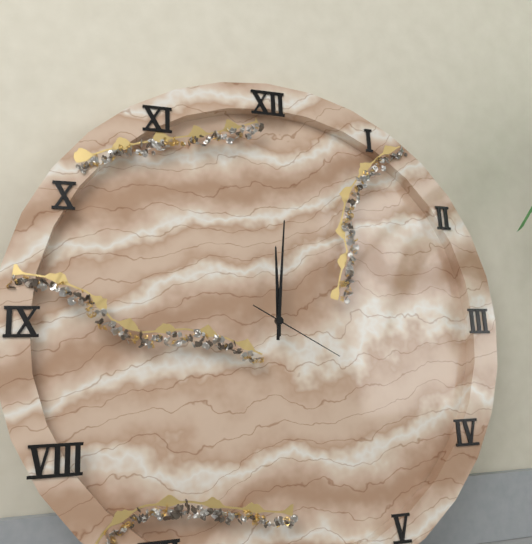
12.01.20
